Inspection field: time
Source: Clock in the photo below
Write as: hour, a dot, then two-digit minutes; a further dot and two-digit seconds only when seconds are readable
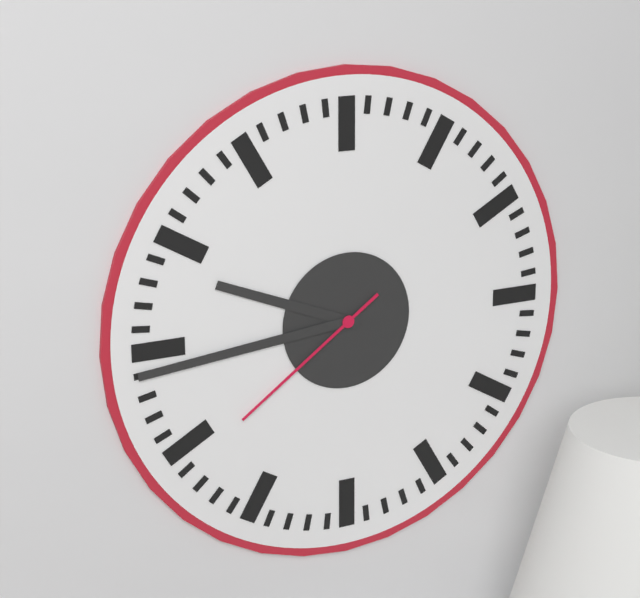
9.44.39
